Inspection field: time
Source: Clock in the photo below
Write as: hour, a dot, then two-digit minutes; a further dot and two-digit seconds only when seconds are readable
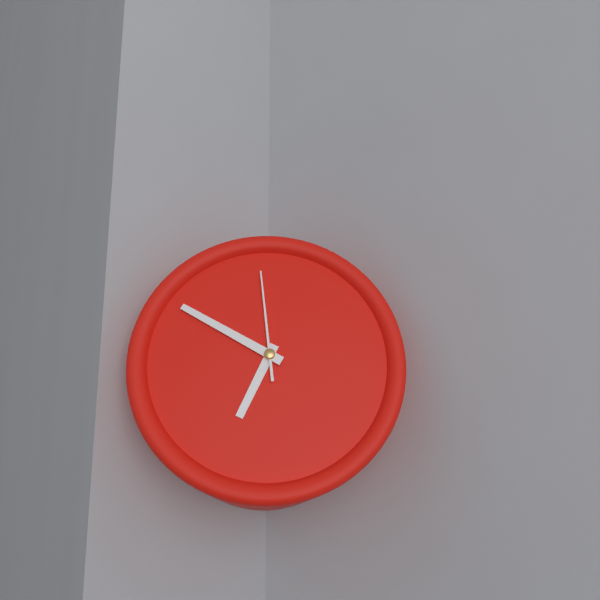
6.50.59
